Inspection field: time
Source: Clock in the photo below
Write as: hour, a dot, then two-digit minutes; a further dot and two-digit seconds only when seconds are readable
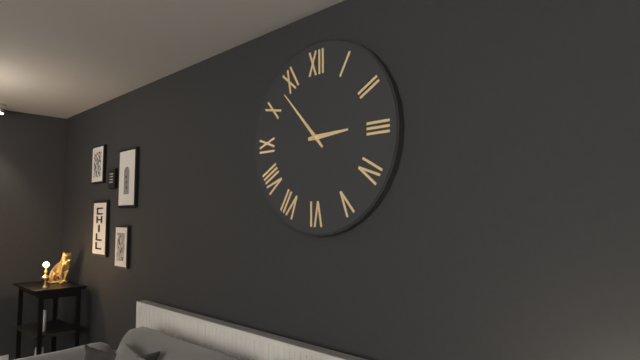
2.53
